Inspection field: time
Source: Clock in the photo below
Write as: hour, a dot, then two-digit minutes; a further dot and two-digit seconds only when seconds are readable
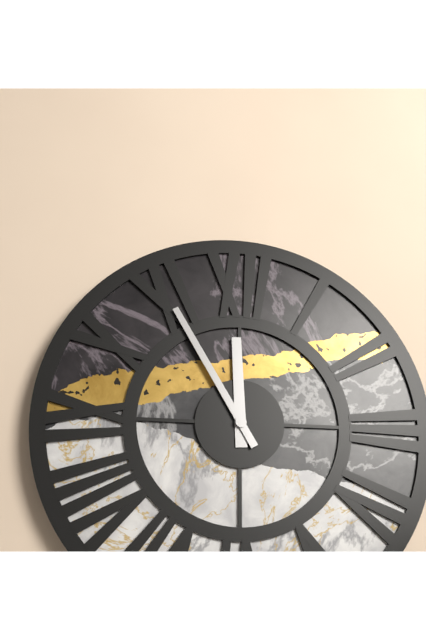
11.55
